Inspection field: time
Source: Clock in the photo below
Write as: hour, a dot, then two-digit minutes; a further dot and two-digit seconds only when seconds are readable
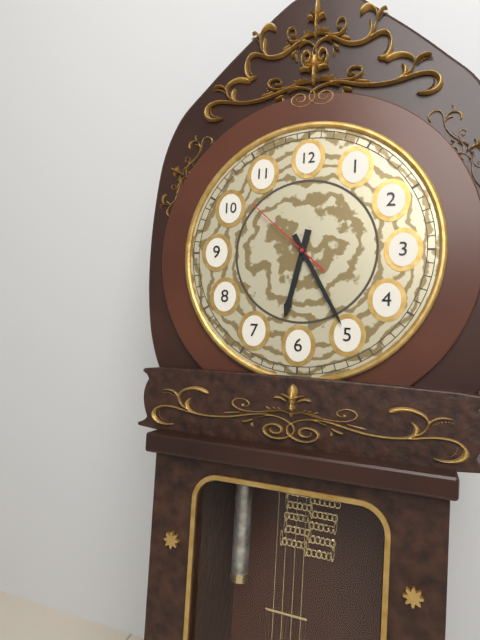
6.25.52
